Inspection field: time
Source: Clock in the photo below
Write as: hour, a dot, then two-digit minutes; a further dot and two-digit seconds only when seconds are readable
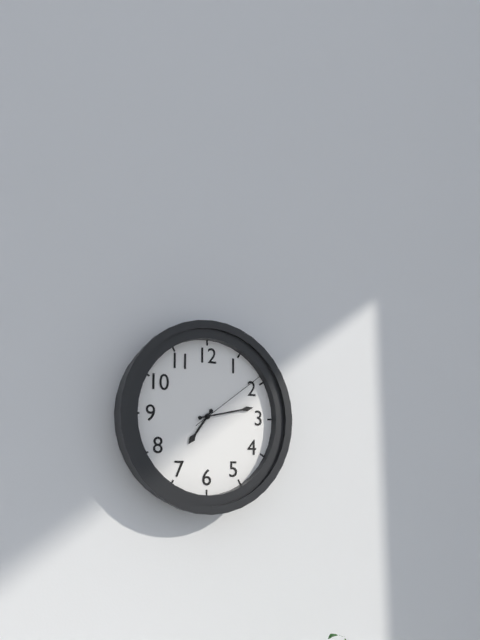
7.13.09
